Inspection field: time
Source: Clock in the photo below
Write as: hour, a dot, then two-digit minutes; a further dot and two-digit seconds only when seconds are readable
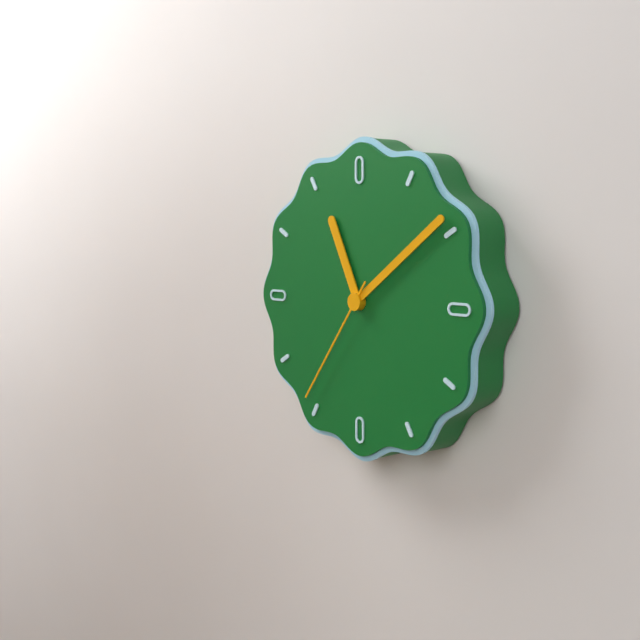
11.09.36
